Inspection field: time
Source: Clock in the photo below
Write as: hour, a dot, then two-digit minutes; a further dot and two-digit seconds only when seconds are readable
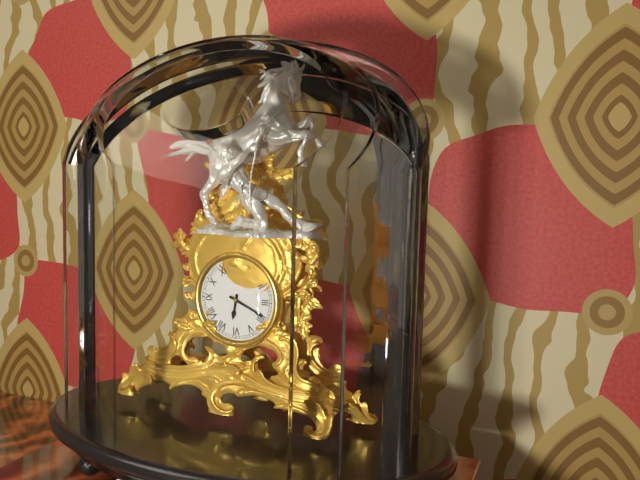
6.19
